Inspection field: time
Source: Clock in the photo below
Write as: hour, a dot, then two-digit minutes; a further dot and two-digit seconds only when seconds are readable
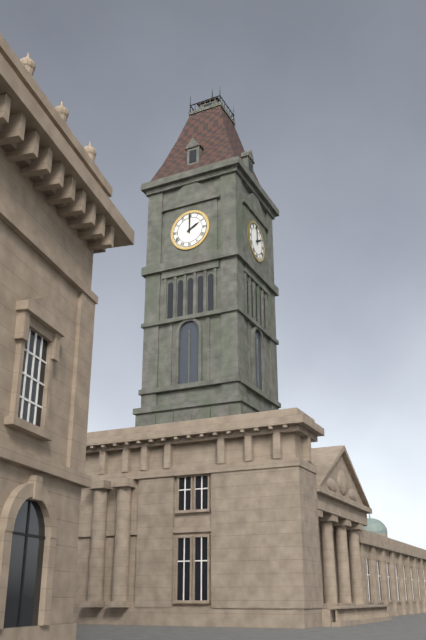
2.00
